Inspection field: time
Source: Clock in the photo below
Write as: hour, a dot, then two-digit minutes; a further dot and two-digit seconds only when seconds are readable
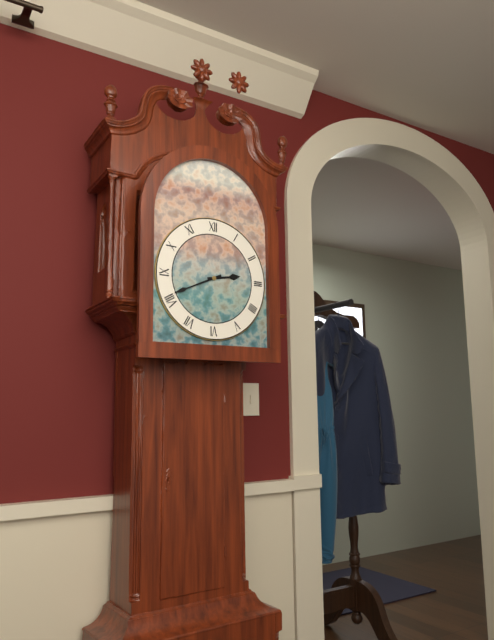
2.41
